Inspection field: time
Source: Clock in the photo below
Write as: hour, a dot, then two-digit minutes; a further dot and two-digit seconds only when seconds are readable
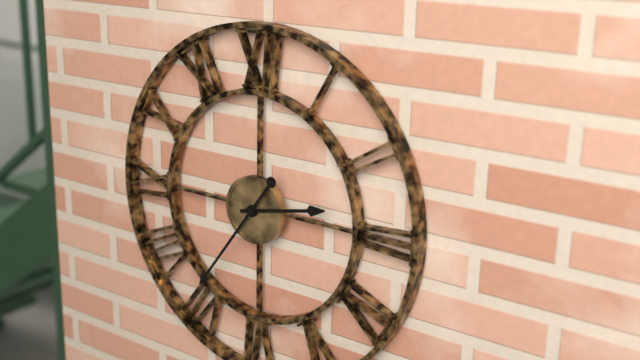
2.36
